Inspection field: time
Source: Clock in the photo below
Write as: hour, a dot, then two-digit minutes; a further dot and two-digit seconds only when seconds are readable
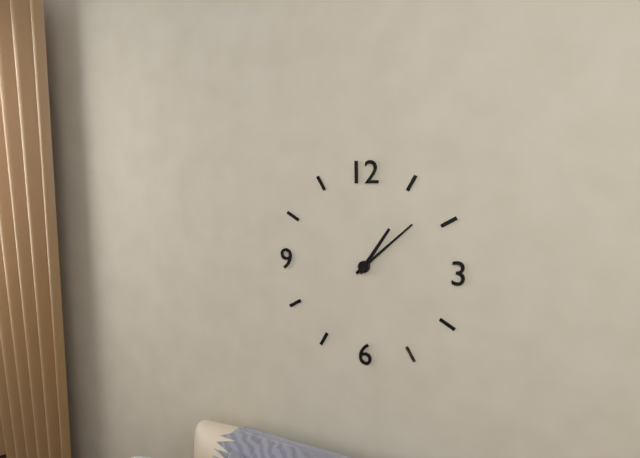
1.08
